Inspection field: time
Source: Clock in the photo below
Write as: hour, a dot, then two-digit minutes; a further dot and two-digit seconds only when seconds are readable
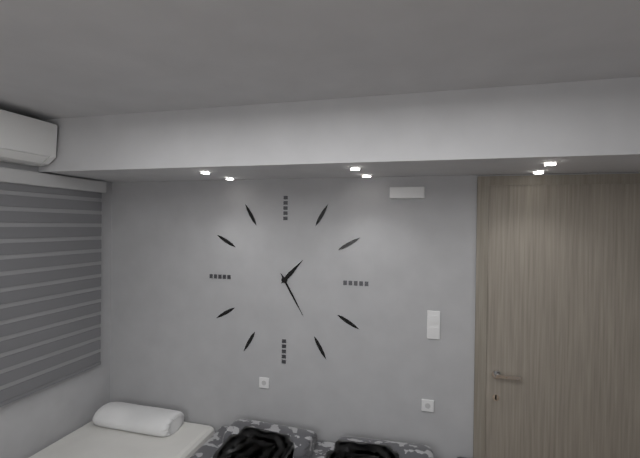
1.25
